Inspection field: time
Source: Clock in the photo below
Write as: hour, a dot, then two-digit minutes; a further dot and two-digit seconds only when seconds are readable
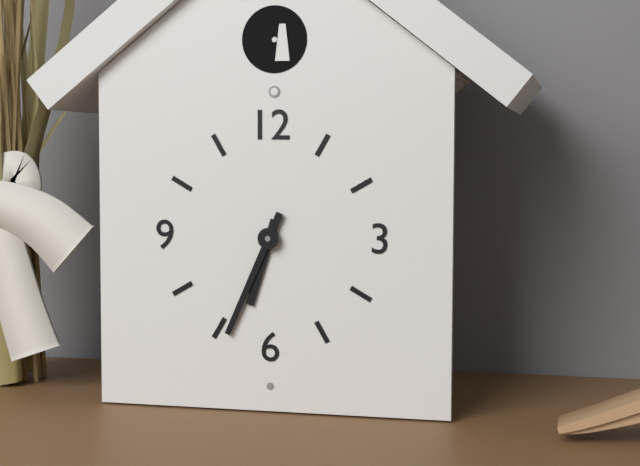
6.34
